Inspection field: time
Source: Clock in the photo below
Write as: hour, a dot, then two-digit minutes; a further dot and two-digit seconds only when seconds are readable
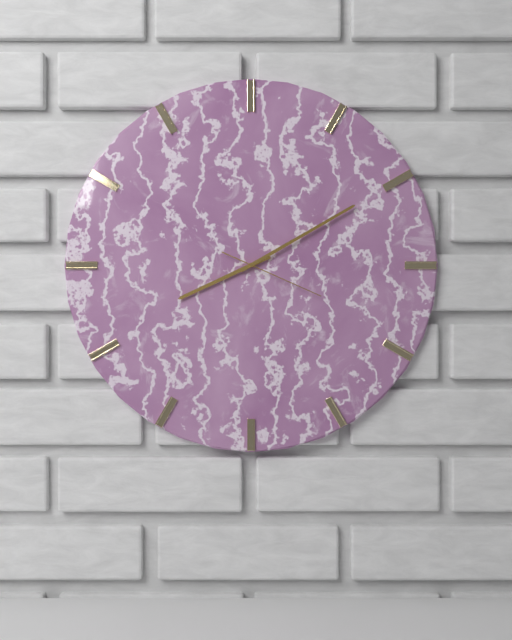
8.10.19
